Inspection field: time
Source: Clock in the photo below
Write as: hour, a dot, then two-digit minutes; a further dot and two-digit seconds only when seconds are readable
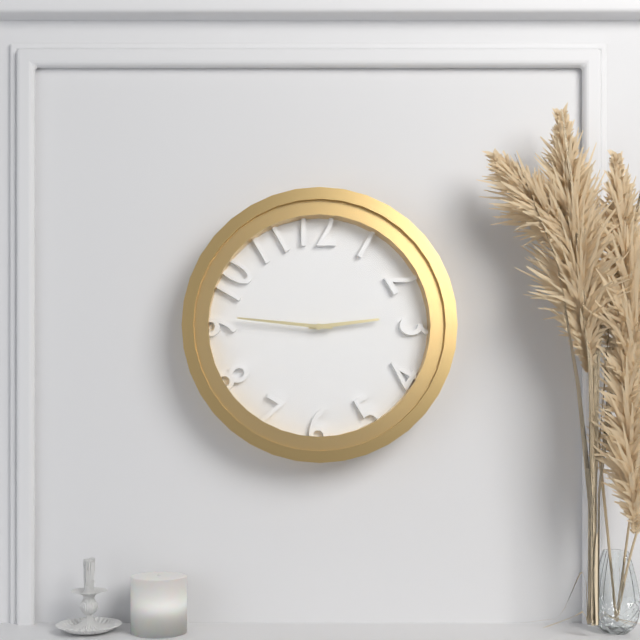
2.46
